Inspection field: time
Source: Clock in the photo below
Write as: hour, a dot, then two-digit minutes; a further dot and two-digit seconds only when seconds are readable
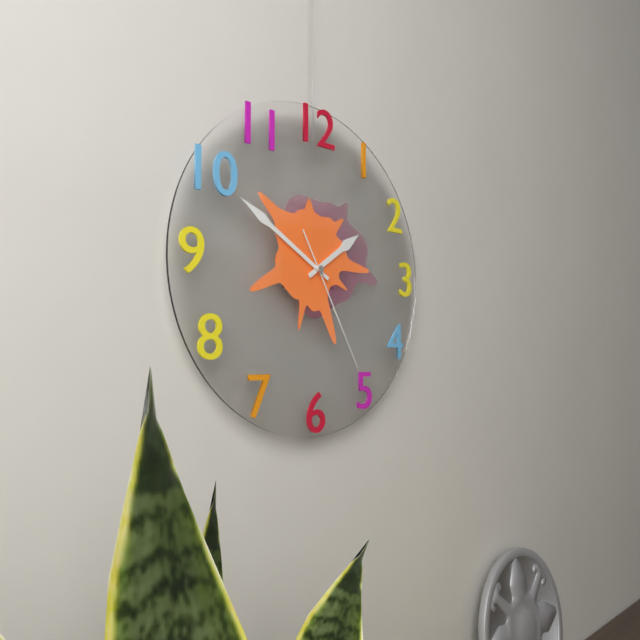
1.50.25
